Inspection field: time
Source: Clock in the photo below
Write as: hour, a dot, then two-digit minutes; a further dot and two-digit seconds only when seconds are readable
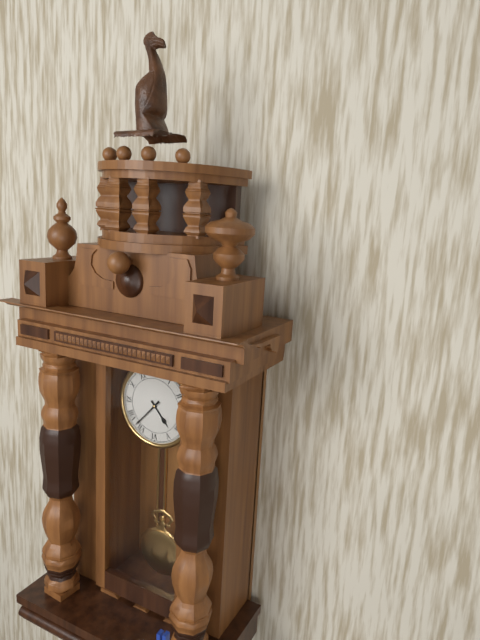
4.37
